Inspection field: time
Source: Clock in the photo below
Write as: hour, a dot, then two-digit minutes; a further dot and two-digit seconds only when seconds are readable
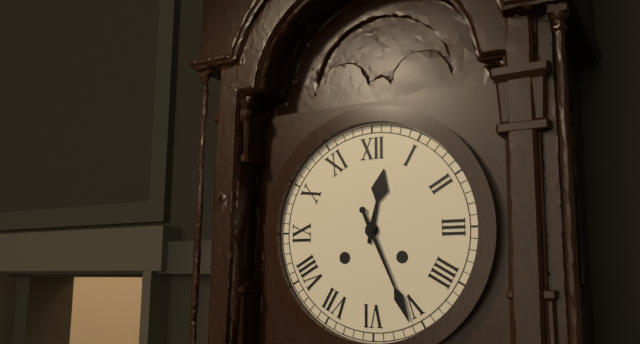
12.26
